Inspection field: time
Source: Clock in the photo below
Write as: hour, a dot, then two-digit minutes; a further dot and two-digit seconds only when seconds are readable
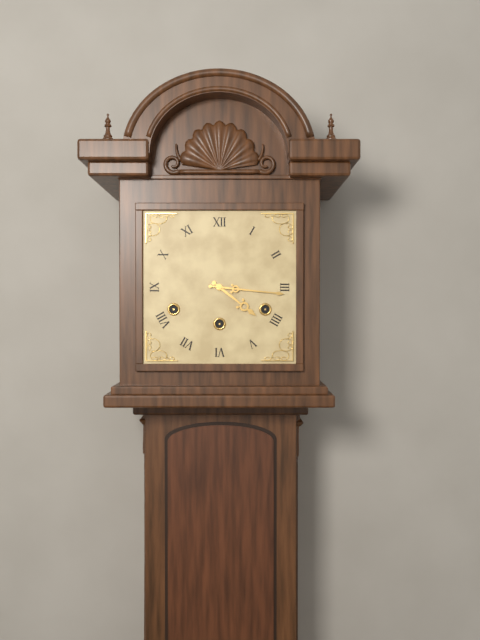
4.16
